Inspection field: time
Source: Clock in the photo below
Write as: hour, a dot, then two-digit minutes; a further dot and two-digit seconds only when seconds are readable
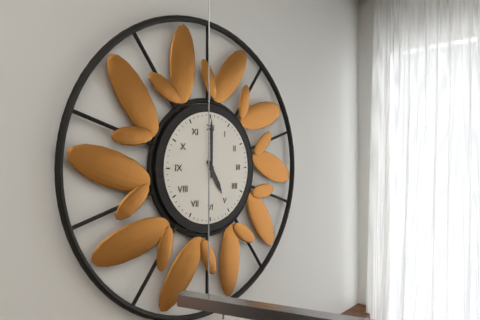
5.00
